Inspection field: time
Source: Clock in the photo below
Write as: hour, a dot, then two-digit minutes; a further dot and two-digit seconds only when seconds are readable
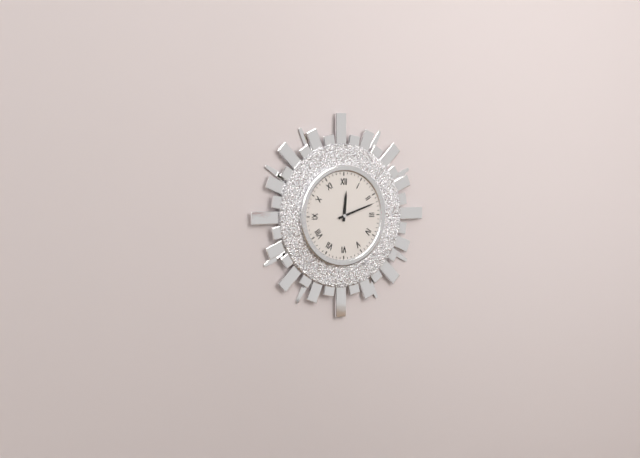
12.12
